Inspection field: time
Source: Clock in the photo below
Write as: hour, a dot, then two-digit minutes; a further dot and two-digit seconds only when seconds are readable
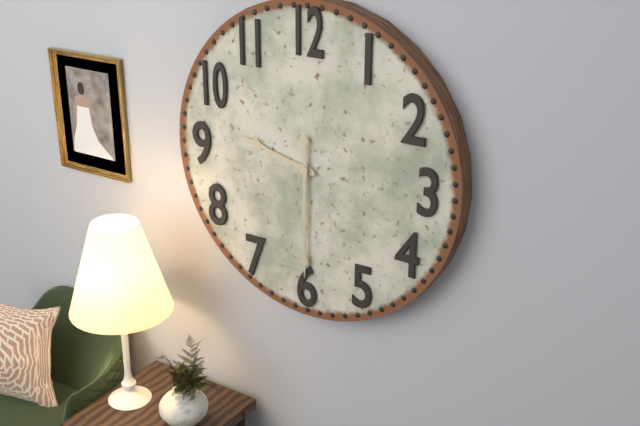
9.30
